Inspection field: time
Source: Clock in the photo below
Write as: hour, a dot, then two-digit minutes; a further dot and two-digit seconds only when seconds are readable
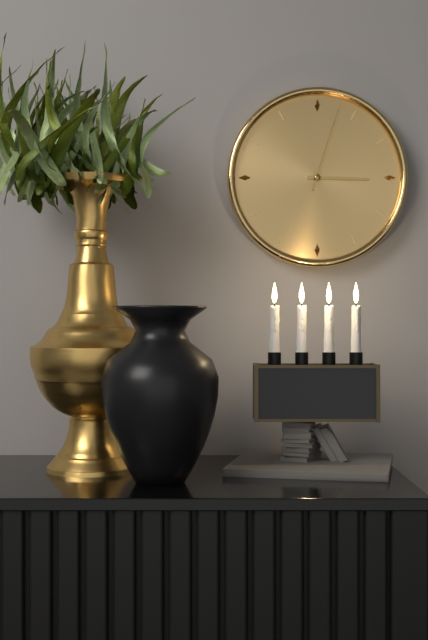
3.03
